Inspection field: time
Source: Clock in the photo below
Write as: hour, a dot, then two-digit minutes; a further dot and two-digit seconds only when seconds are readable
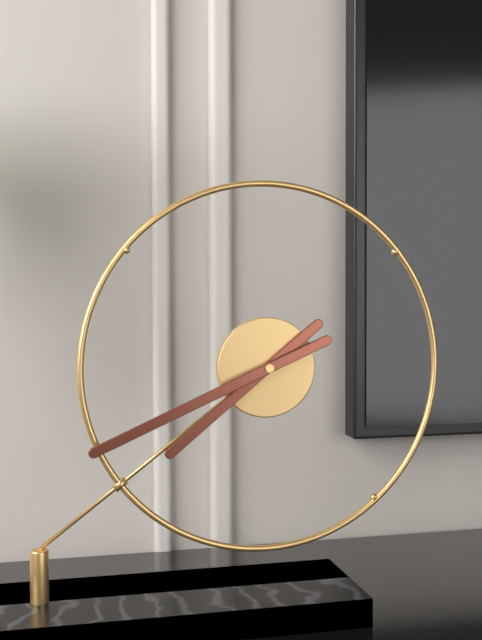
7.41
